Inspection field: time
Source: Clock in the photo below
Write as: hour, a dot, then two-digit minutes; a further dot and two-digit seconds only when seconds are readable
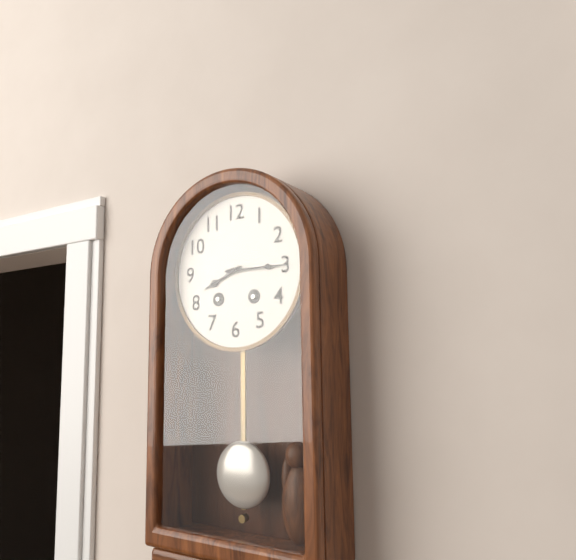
8.15
